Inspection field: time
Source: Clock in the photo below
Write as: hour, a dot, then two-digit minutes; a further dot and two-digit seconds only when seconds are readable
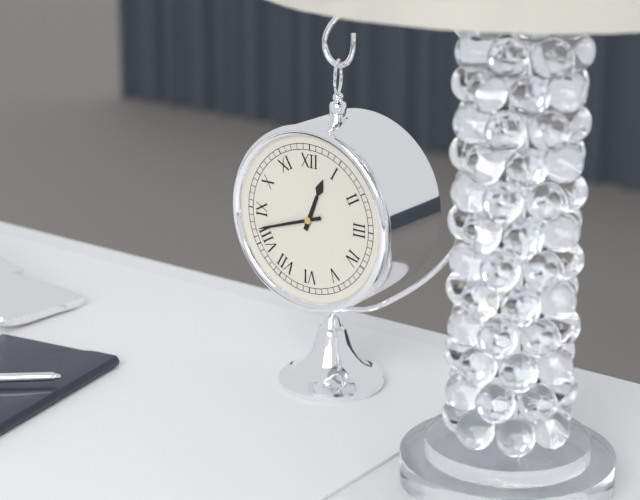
12.42
